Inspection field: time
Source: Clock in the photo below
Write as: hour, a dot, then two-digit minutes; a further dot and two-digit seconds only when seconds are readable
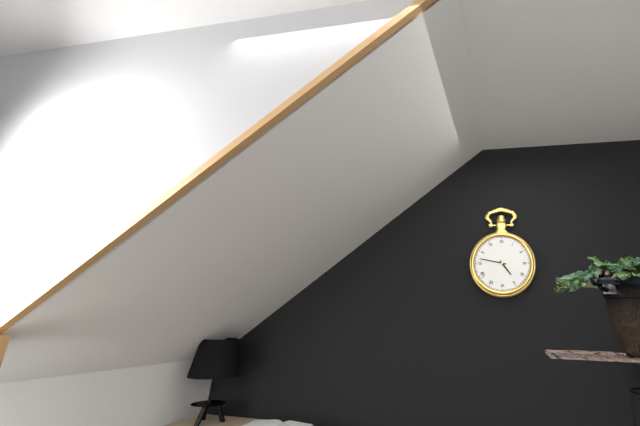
4.47
